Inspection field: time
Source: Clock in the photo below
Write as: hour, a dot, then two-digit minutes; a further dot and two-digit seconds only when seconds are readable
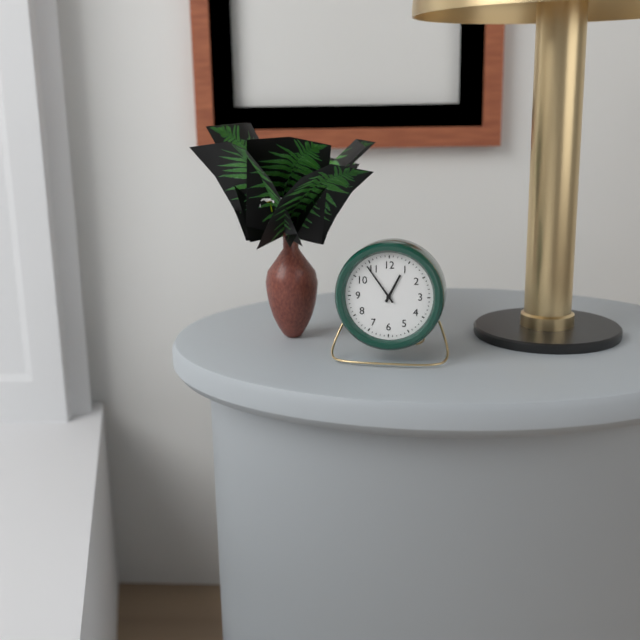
12.54
